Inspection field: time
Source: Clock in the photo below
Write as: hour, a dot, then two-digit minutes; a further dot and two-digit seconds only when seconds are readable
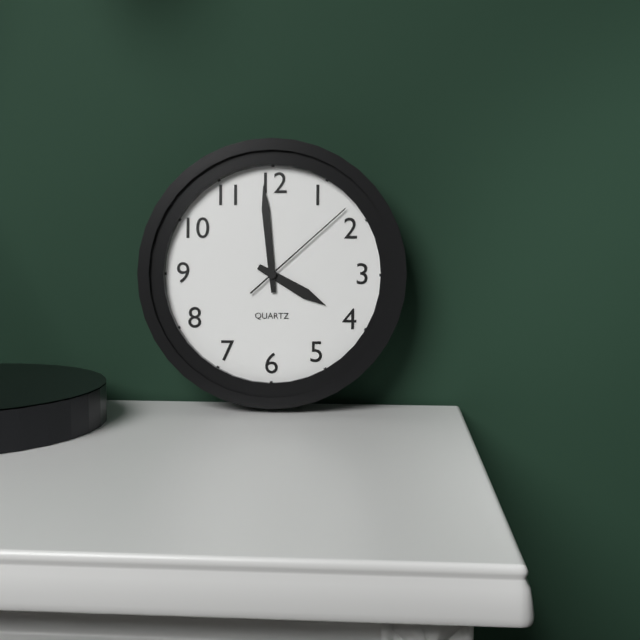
3.59.08
